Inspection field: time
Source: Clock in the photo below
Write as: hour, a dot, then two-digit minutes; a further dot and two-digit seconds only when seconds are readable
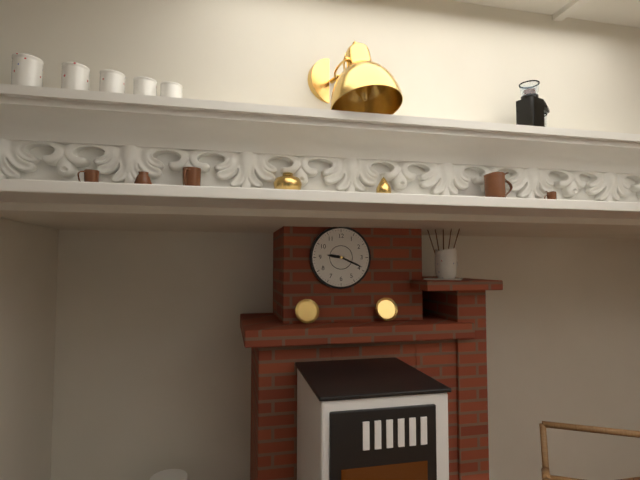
9.19
